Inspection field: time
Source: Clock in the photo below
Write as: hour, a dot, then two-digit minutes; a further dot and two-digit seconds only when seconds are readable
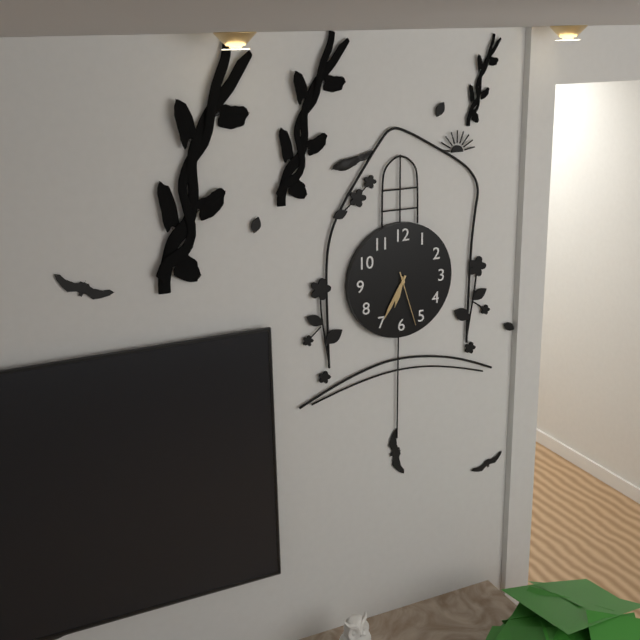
6.35.27
